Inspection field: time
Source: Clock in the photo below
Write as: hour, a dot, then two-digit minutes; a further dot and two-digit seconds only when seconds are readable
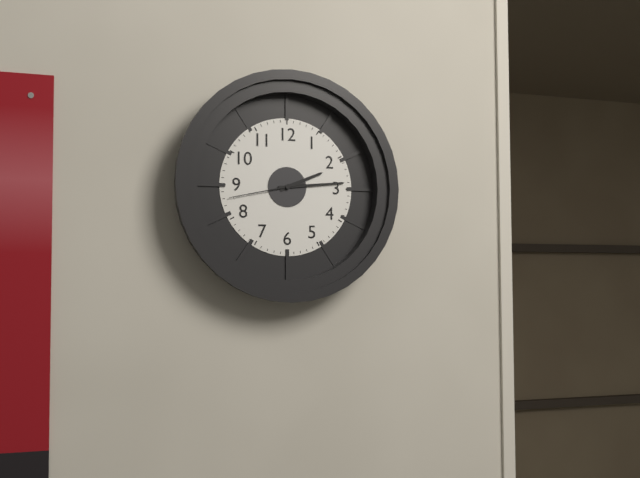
2.14.43
